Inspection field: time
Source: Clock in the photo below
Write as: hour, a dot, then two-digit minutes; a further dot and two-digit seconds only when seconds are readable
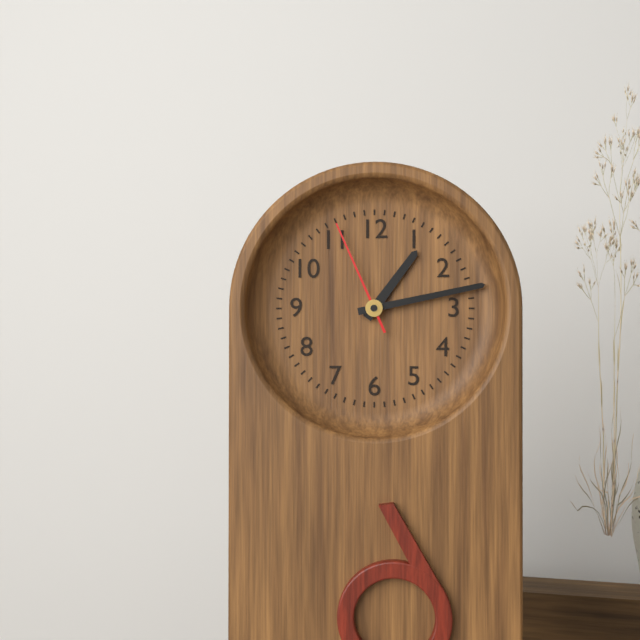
1.13.56
